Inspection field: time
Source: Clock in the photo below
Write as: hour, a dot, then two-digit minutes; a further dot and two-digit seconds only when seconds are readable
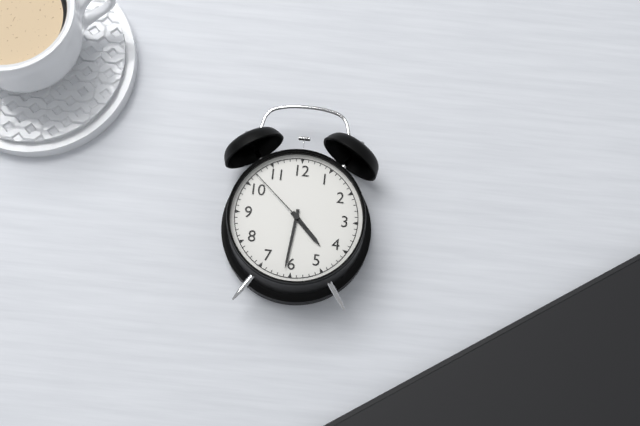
4.31.52
